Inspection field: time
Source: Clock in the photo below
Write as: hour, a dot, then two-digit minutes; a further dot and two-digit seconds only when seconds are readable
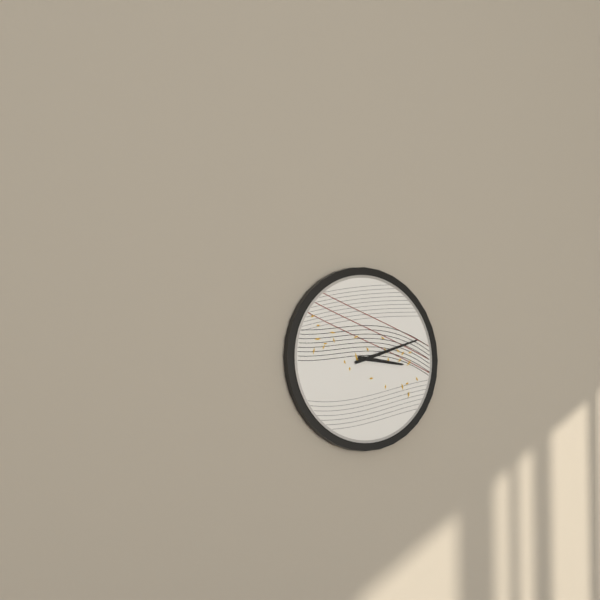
3.12
